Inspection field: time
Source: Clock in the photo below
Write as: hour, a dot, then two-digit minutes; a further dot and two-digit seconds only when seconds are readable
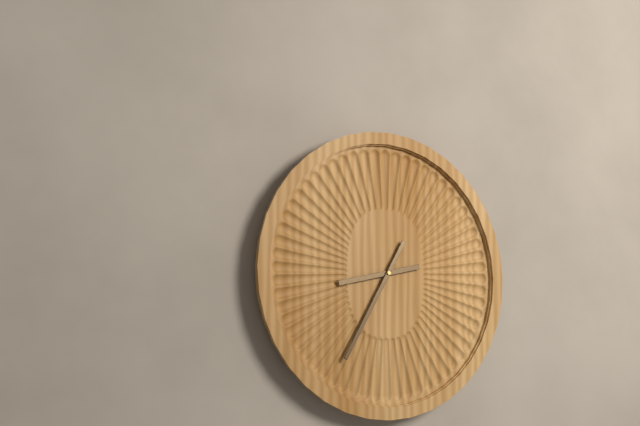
8.35
